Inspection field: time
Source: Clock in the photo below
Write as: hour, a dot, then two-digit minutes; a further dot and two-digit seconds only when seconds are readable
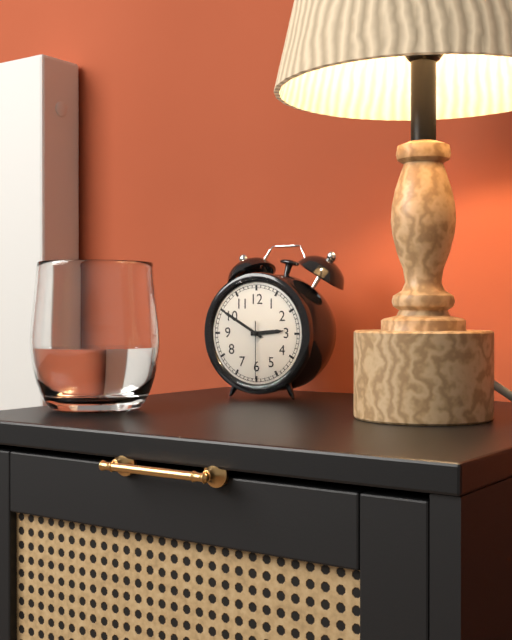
2.50.30
